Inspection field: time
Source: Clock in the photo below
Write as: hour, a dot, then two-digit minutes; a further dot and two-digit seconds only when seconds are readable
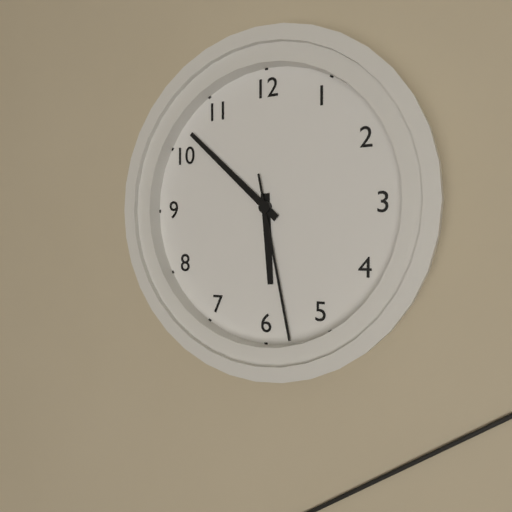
5.52.28
